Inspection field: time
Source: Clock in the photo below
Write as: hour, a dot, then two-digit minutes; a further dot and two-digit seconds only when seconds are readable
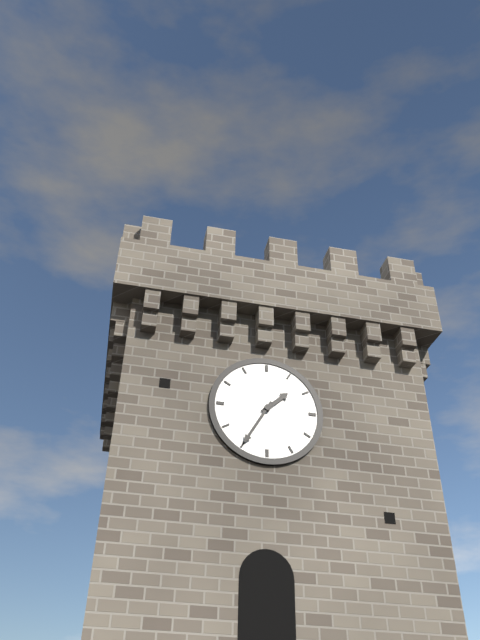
1.35
